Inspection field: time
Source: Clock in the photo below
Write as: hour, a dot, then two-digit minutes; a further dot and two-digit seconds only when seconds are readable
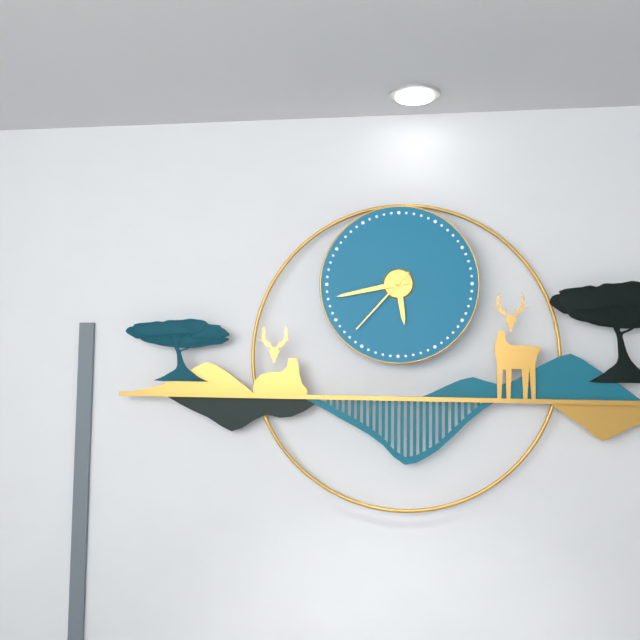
5.43.37
